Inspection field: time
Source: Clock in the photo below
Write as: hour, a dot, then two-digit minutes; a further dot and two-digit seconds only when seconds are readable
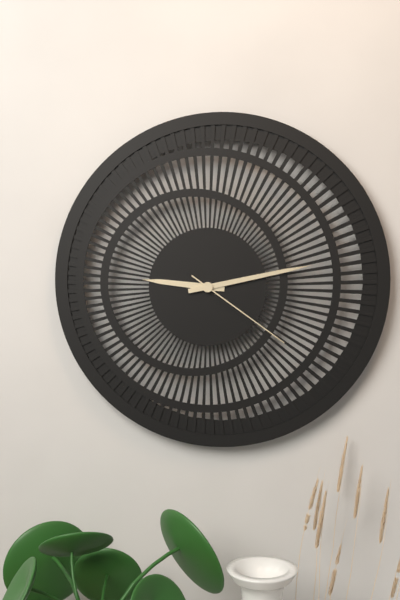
9.13.21
